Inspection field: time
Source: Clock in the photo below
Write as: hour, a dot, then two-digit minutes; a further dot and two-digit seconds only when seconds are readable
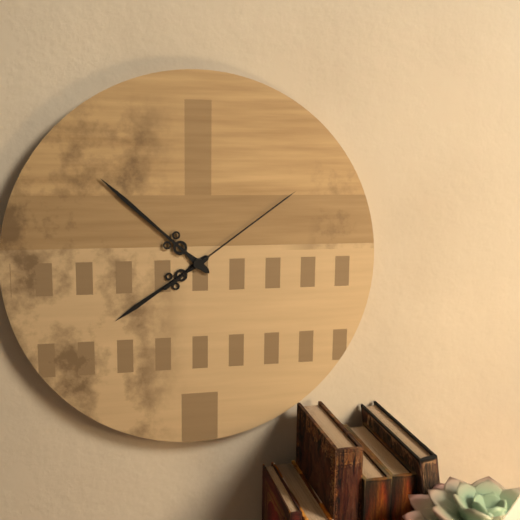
7.52.09
